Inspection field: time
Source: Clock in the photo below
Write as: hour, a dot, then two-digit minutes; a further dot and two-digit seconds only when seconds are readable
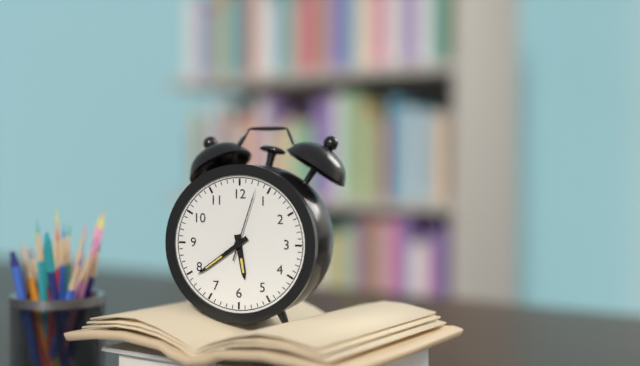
5.39.03
